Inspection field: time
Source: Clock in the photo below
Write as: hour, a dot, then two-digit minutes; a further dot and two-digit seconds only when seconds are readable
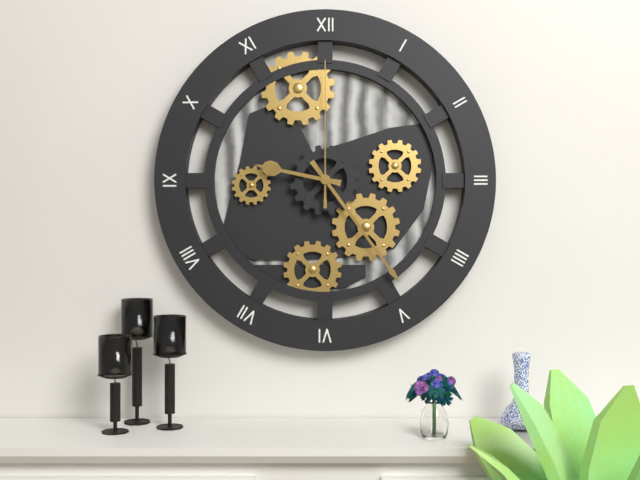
9.24.00
